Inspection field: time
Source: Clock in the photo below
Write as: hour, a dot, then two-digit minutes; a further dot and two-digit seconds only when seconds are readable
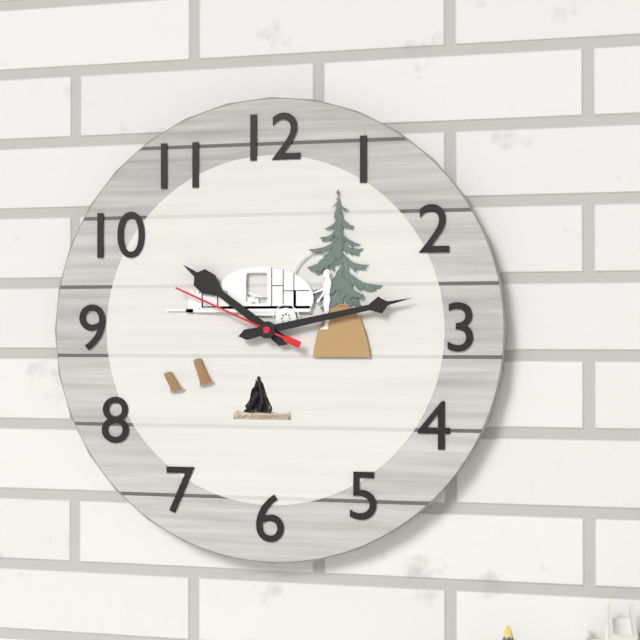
10.13.49
